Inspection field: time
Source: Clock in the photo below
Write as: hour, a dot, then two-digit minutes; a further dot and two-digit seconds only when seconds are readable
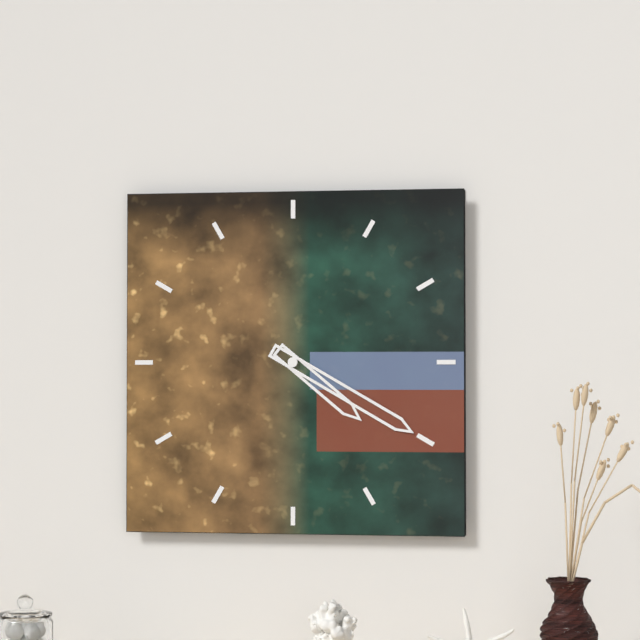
4.20
